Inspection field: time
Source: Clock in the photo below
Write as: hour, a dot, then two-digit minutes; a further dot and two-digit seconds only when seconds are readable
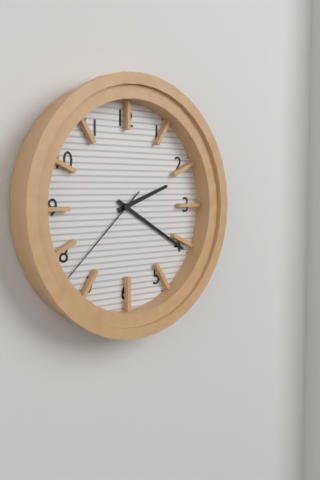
2.20.38
